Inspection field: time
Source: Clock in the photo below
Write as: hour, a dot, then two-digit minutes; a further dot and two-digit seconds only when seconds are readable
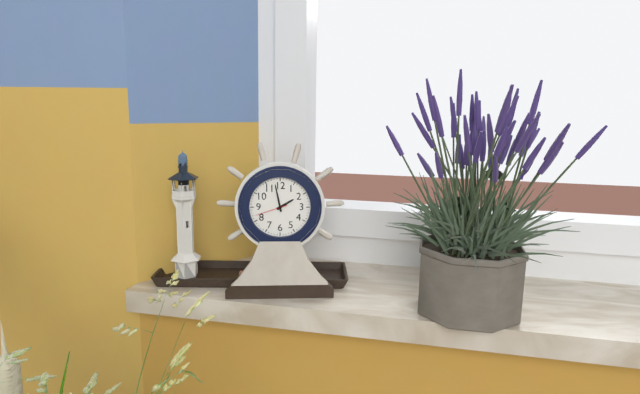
1.58
